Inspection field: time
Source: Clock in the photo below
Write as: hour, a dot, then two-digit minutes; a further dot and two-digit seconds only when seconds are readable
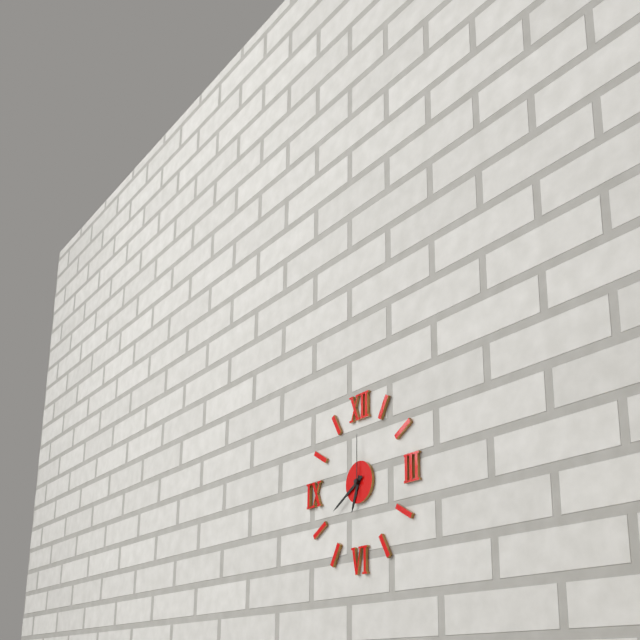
6.40.00
